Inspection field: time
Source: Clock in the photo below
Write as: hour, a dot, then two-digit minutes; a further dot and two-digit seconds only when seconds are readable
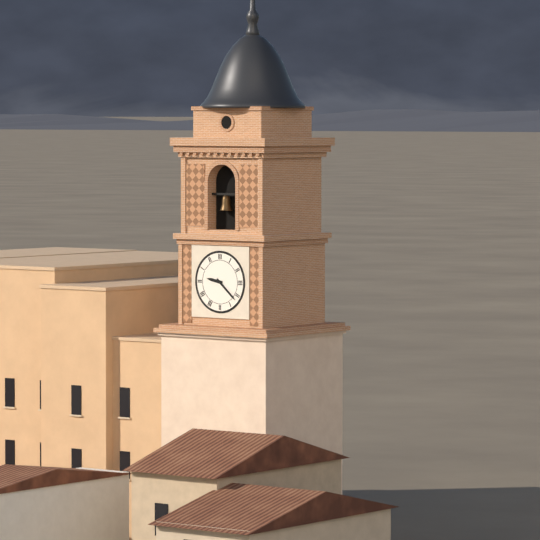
9.22
